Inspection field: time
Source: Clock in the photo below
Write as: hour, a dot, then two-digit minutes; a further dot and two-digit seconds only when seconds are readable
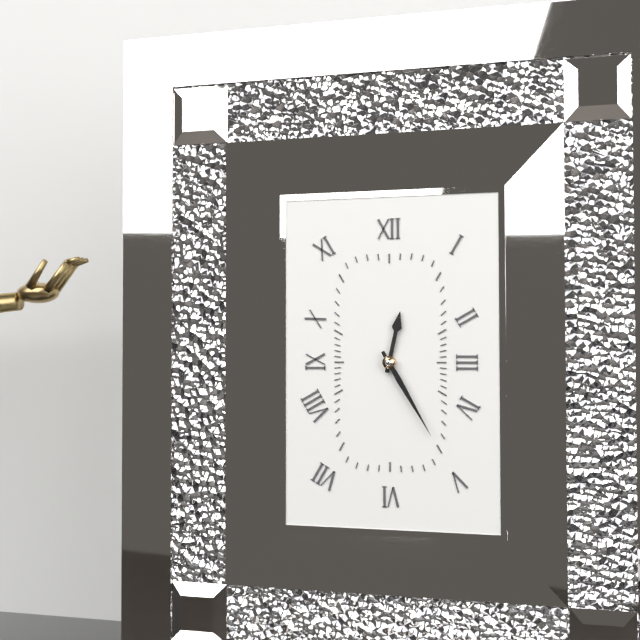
12.25
